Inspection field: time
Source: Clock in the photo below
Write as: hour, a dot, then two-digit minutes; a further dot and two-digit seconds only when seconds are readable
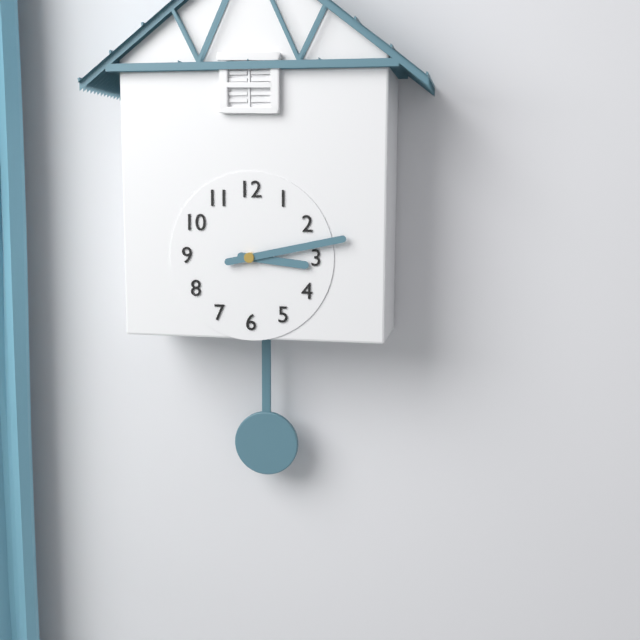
3.13
